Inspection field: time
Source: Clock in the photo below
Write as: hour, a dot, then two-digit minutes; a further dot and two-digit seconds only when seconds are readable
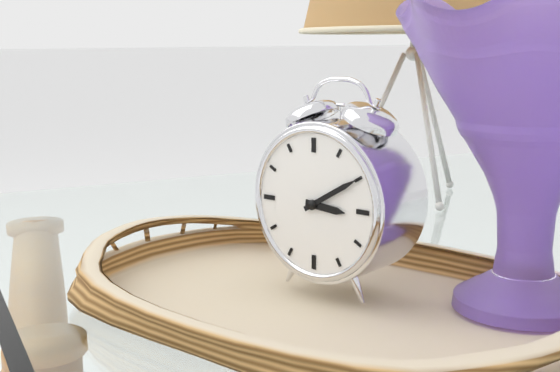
3.10
